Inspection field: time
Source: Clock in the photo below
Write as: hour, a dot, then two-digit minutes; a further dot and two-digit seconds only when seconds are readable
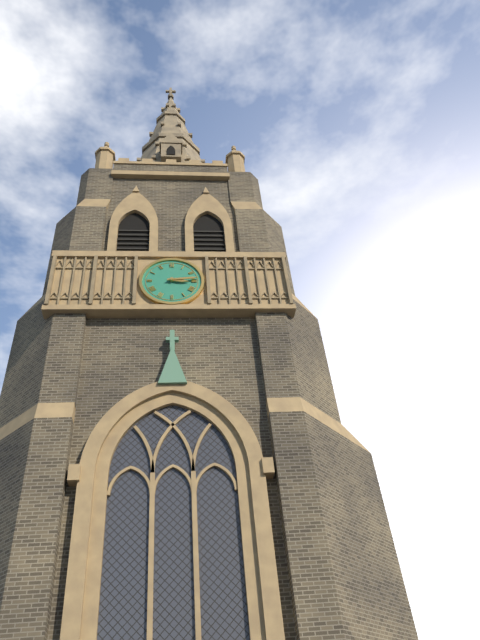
3.14
